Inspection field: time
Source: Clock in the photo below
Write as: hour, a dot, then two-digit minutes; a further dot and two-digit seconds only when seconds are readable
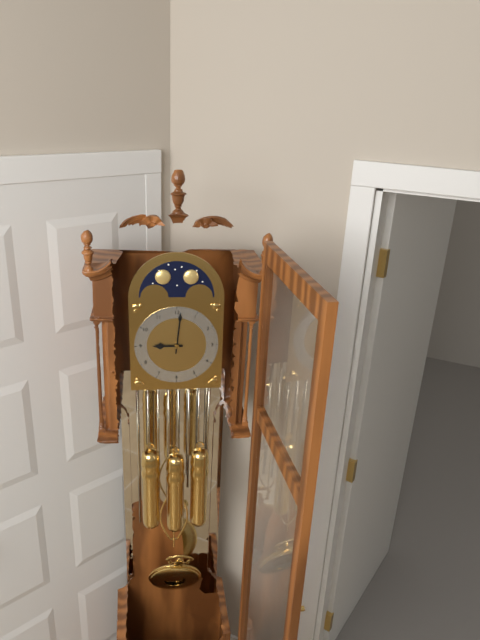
9.01
